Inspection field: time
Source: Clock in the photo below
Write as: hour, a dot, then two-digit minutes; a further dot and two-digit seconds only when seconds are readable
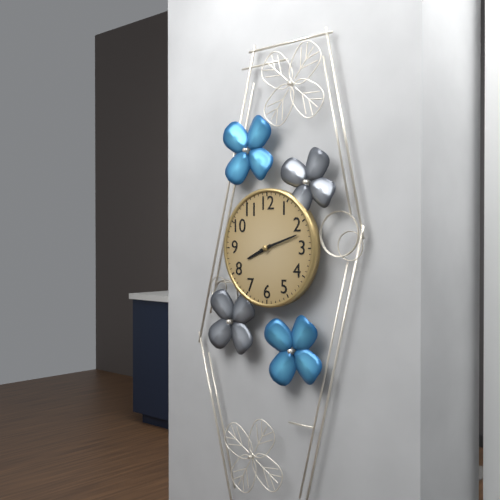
8.12
